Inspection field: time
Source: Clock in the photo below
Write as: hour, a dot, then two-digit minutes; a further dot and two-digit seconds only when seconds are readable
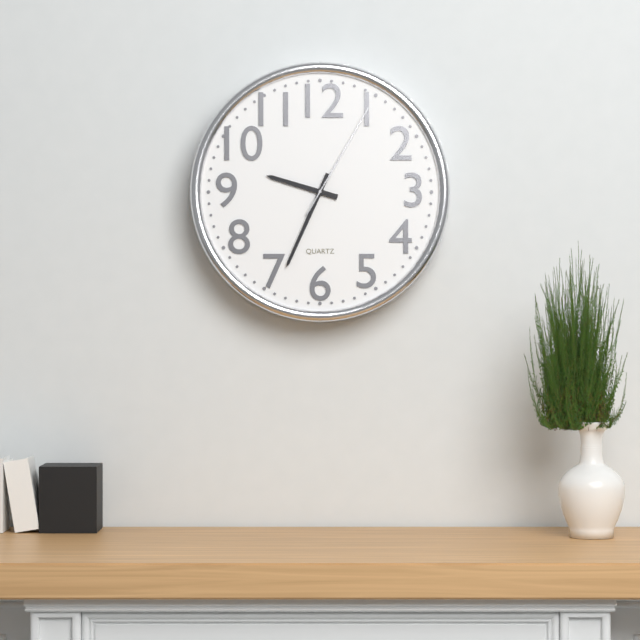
9.34.05
